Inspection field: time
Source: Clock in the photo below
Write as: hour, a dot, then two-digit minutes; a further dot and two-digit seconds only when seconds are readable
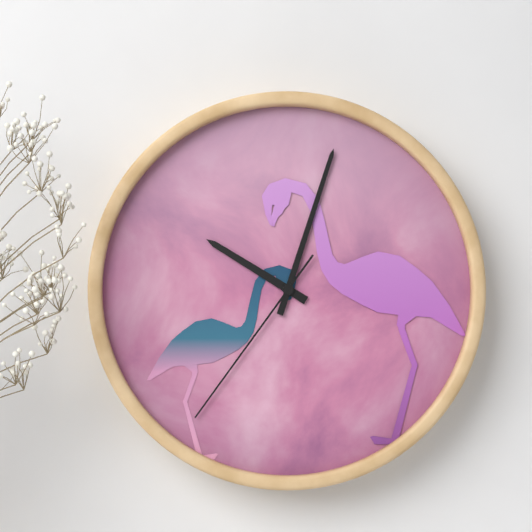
10.03.36
